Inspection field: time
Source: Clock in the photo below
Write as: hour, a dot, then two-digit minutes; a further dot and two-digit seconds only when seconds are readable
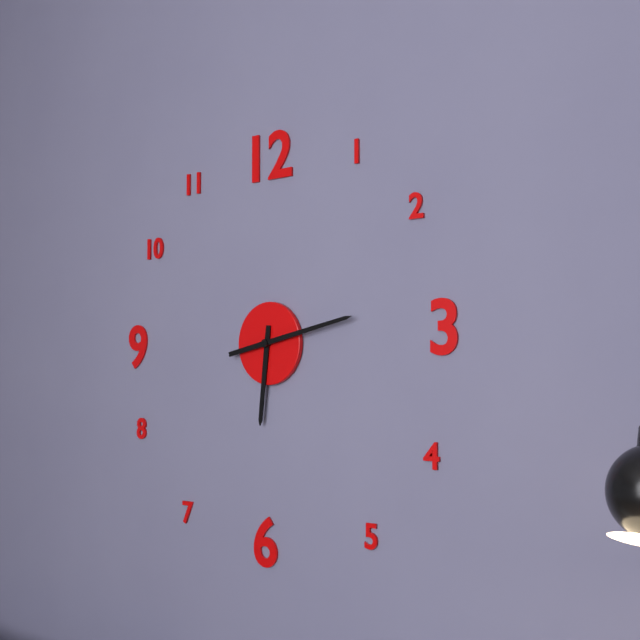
6.13
